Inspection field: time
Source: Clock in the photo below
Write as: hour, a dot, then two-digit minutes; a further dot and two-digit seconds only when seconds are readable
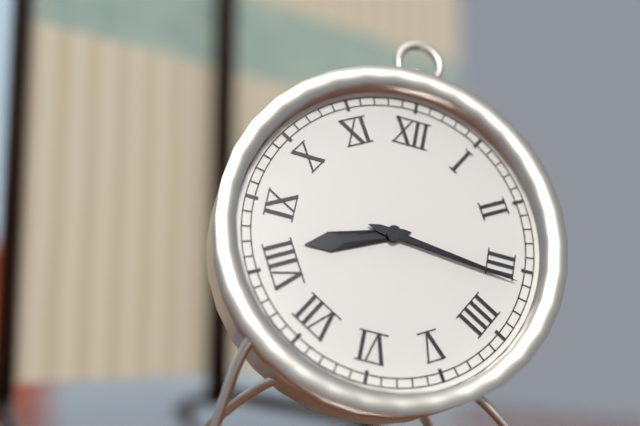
8.16
